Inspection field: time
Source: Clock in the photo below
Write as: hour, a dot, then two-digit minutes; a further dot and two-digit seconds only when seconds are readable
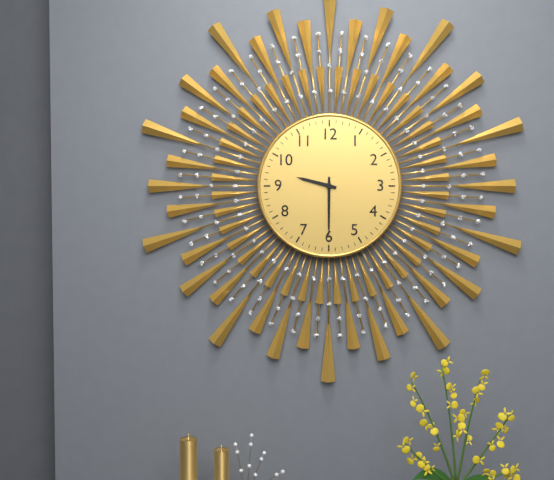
9.30
